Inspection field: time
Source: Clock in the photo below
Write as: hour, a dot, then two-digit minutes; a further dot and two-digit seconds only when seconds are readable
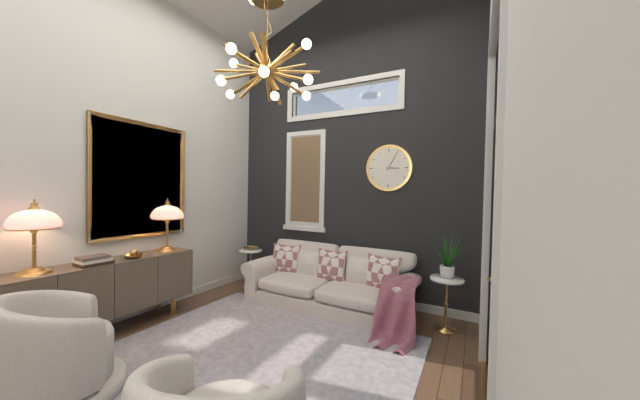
3.05
